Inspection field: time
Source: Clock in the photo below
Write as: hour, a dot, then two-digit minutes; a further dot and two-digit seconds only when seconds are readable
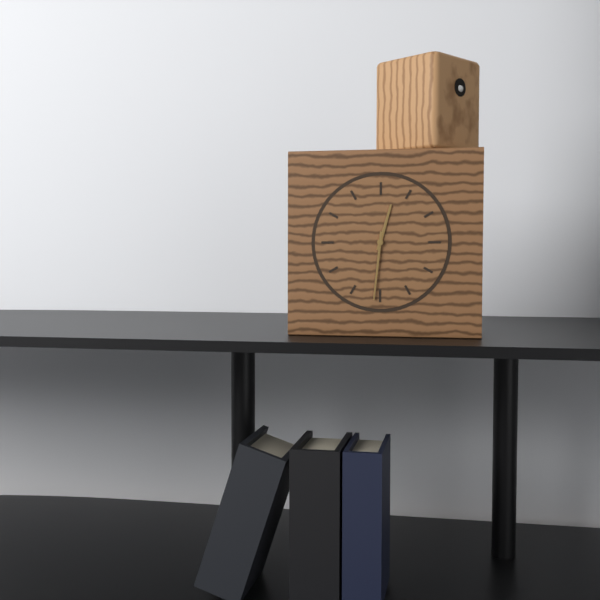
12.31
